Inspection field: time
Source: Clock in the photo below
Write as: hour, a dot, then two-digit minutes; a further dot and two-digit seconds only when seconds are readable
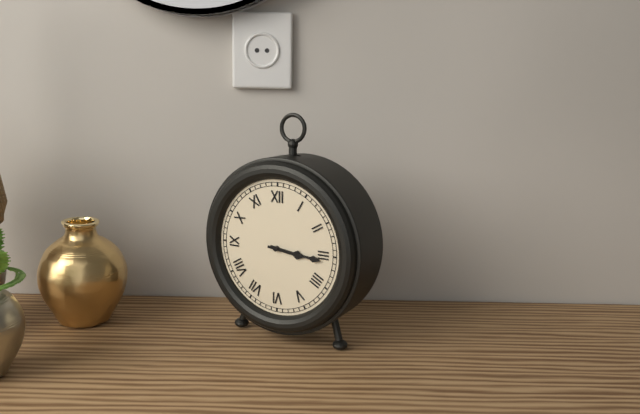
3.16
